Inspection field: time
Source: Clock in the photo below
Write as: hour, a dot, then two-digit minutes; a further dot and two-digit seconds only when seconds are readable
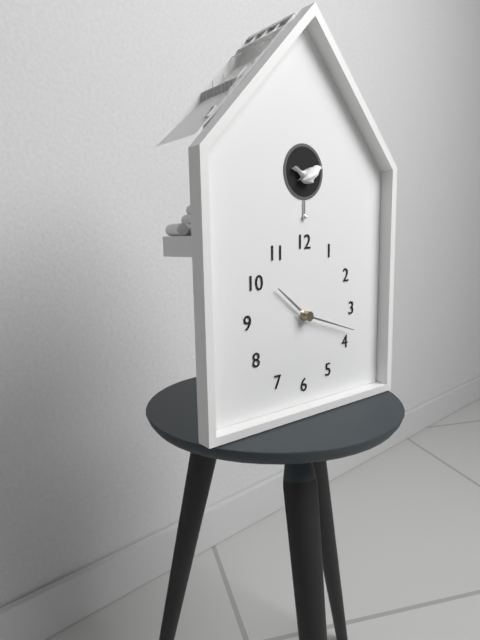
10.18
